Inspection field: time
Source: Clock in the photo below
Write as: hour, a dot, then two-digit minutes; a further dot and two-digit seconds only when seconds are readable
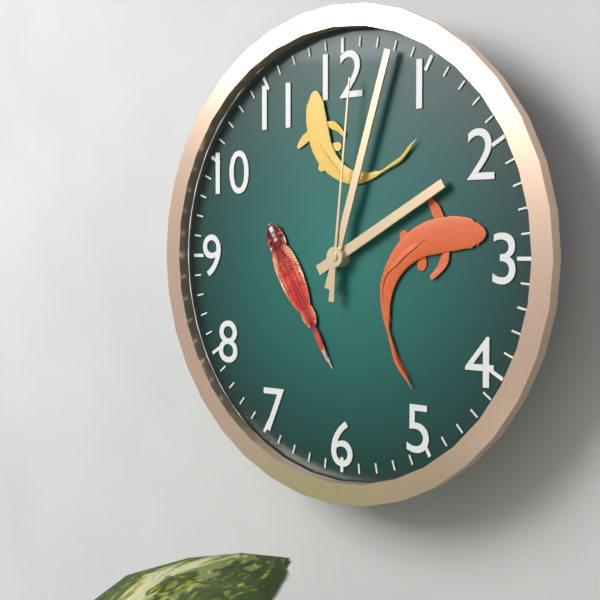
2.03.01
